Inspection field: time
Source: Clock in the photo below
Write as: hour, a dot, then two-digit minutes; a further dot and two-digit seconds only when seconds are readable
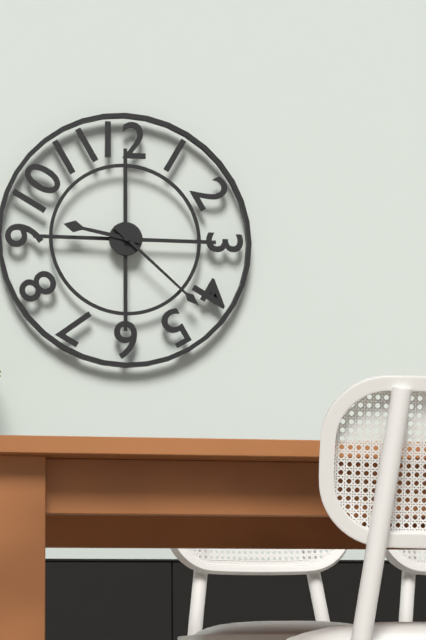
9.22
